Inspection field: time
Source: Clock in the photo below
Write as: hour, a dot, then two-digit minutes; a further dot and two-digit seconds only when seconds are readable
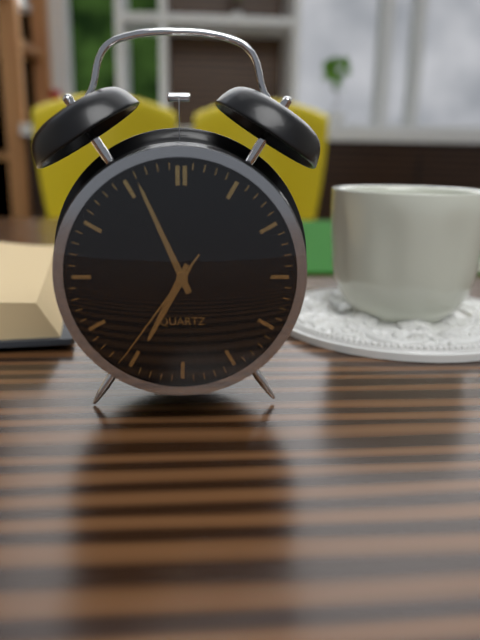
6.56.36
